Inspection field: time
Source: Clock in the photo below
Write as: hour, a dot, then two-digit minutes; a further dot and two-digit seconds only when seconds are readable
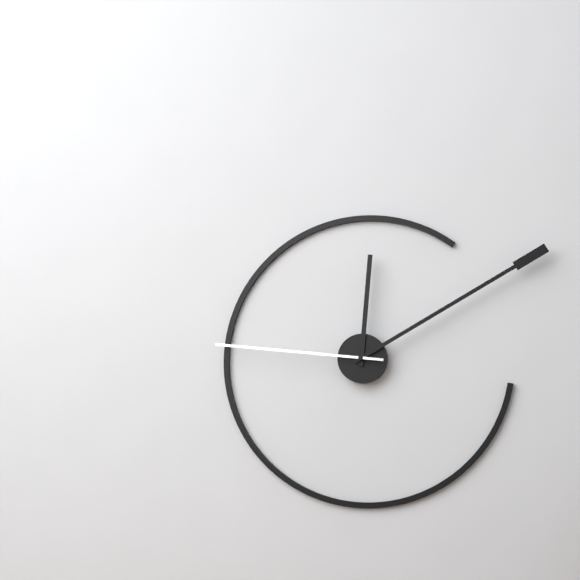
12.10.46
